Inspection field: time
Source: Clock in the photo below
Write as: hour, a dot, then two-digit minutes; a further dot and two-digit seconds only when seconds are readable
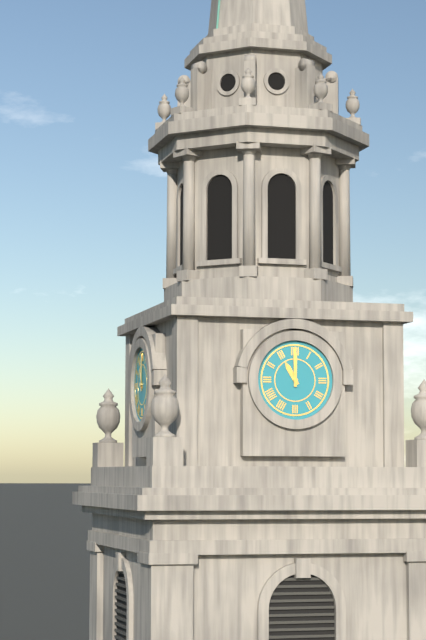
11.00
